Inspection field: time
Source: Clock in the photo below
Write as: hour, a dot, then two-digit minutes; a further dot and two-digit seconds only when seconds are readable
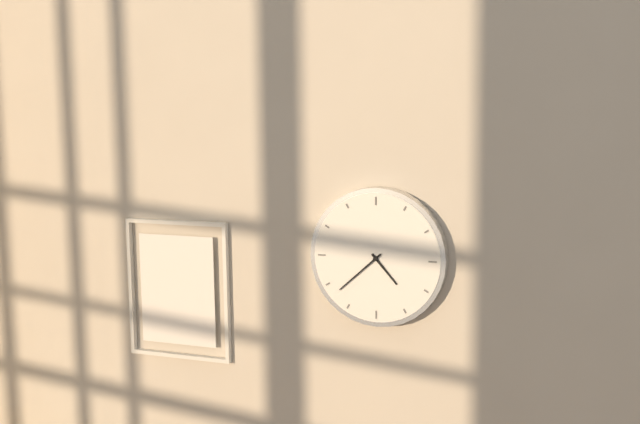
4.38
